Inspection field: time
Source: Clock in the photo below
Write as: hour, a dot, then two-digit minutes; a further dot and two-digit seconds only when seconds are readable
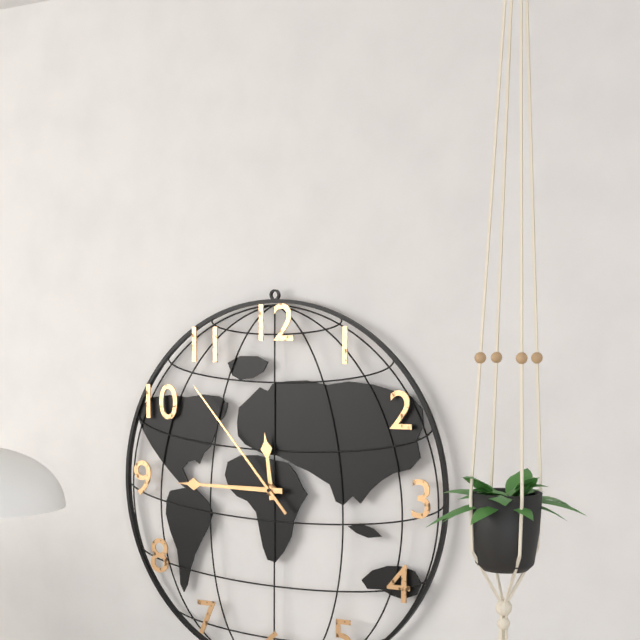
11.45.53
